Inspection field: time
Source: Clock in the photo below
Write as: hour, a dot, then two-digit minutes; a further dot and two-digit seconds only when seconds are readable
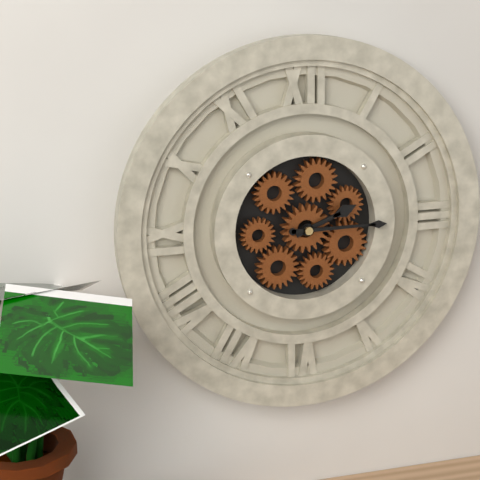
2.15
